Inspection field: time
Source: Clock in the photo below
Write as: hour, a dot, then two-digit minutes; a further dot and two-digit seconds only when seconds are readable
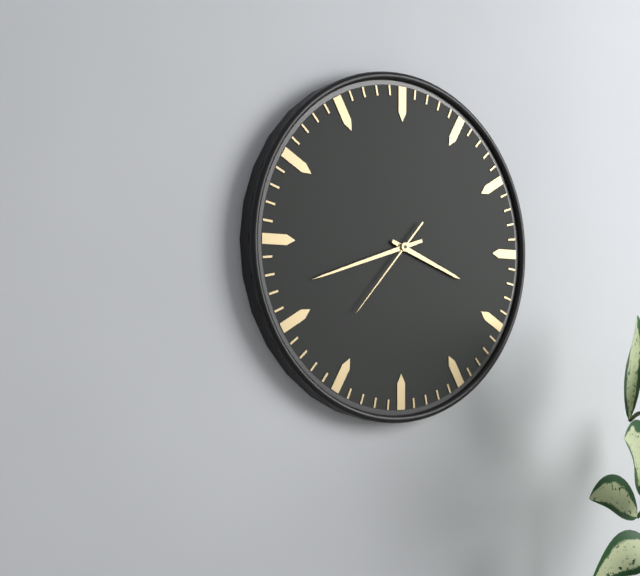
3.42.37
